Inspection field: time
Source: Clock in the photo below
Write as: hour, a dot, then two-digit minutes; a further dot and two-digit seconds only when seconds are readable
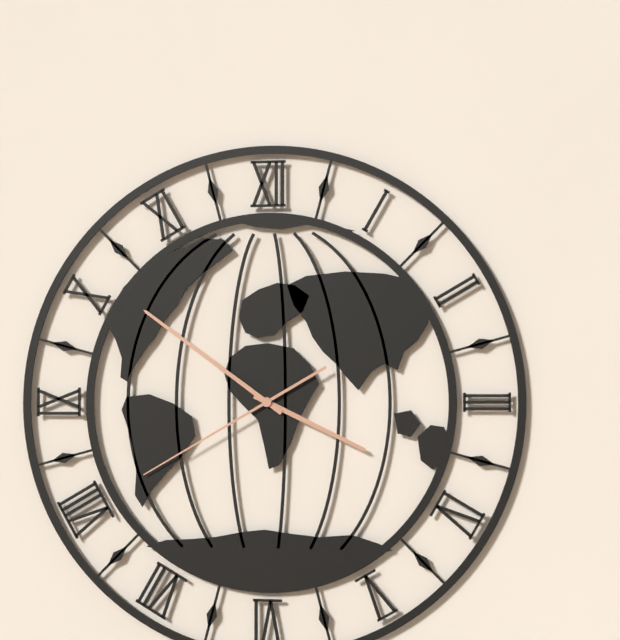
3.51.40
